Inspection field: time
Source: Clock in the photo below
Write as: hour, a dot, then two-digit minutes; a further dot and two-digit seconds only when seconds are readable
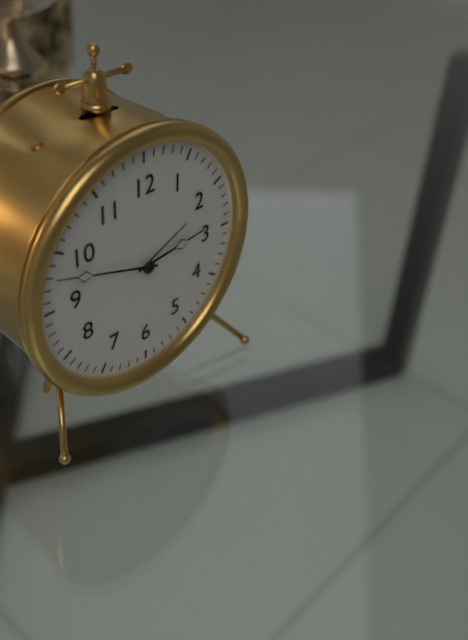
2.48
